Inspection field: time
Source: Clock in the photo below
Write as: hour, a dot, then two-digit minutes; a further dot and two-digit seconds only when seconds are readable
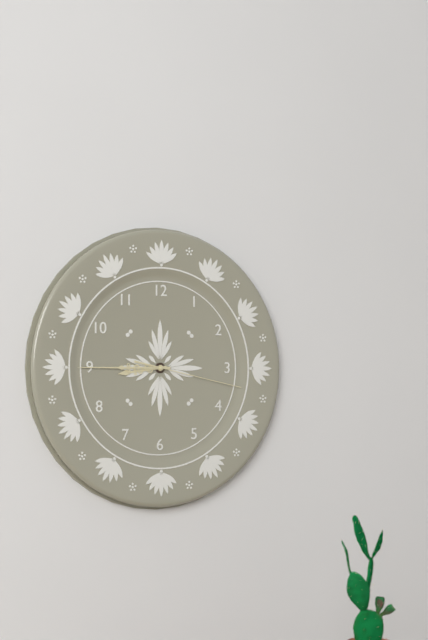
8.45.17
